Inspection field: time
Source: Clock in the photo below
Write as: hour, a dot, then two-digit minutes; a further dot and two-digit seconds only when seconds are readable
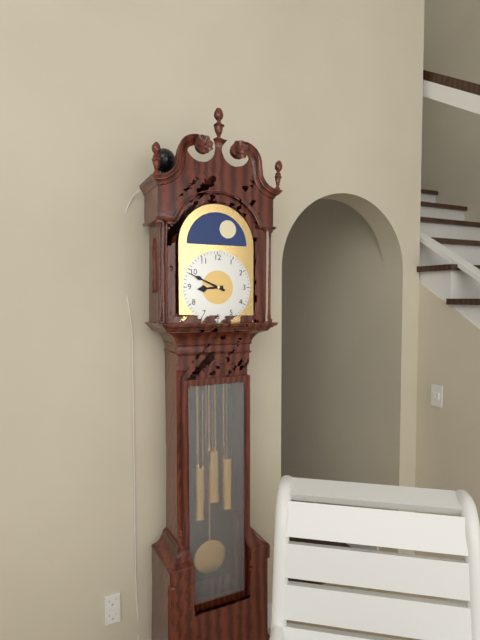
8.49
